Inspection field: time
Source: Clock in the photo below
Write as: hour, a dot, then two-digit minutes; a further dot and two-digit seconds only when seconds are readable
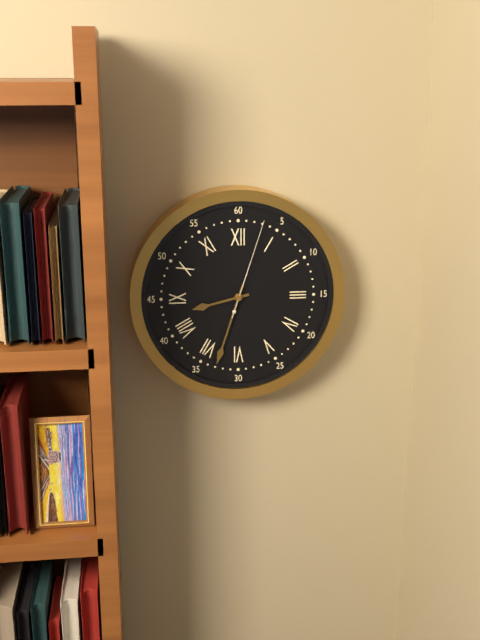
8.33.03
